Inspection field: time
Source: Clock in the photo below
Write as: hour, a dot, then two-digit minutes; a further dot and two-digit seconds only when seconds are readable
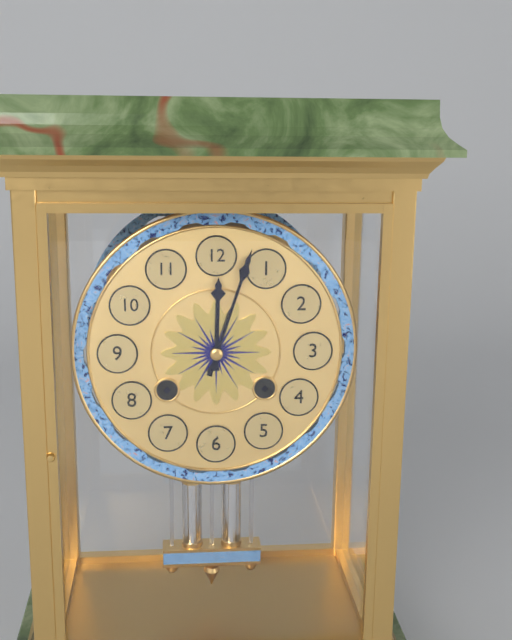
12.03
